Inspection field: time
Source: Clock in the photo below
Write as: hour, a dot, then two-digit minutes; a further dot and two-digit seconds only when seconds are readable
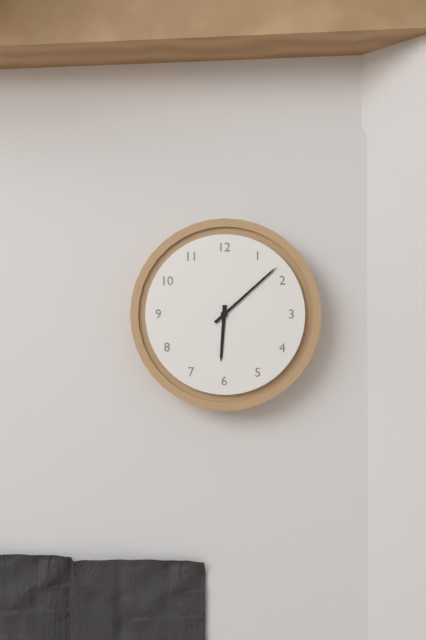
6.08
